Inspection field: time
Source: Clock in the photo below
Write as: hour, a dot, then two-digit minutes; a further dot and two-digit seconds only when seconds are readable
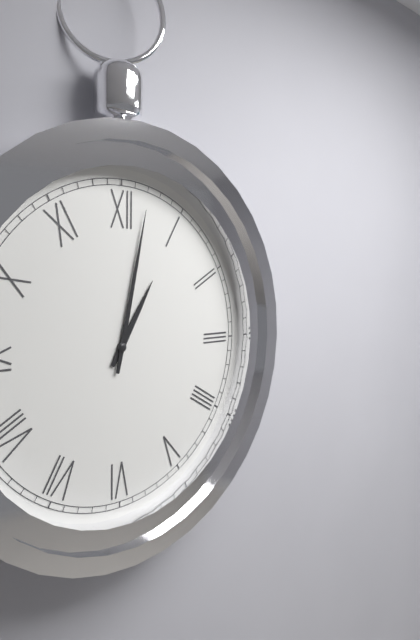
1.02
